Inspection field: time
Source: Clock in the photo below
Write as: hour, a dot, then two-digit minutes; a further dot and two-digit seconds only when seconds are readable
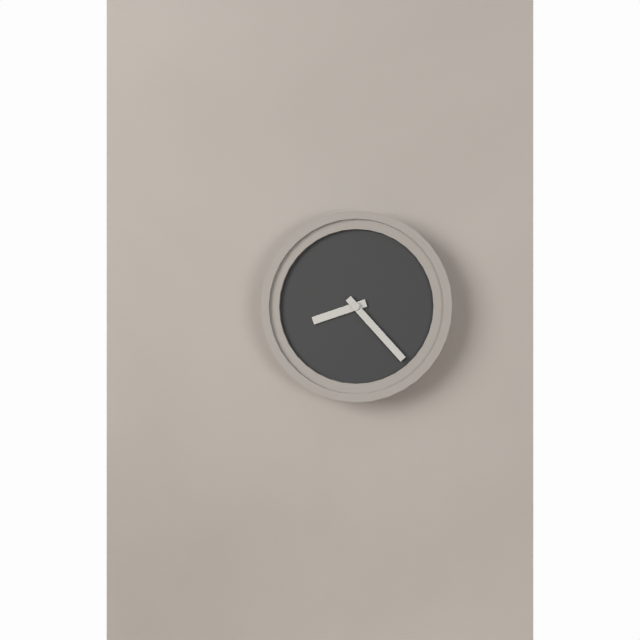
8.23
